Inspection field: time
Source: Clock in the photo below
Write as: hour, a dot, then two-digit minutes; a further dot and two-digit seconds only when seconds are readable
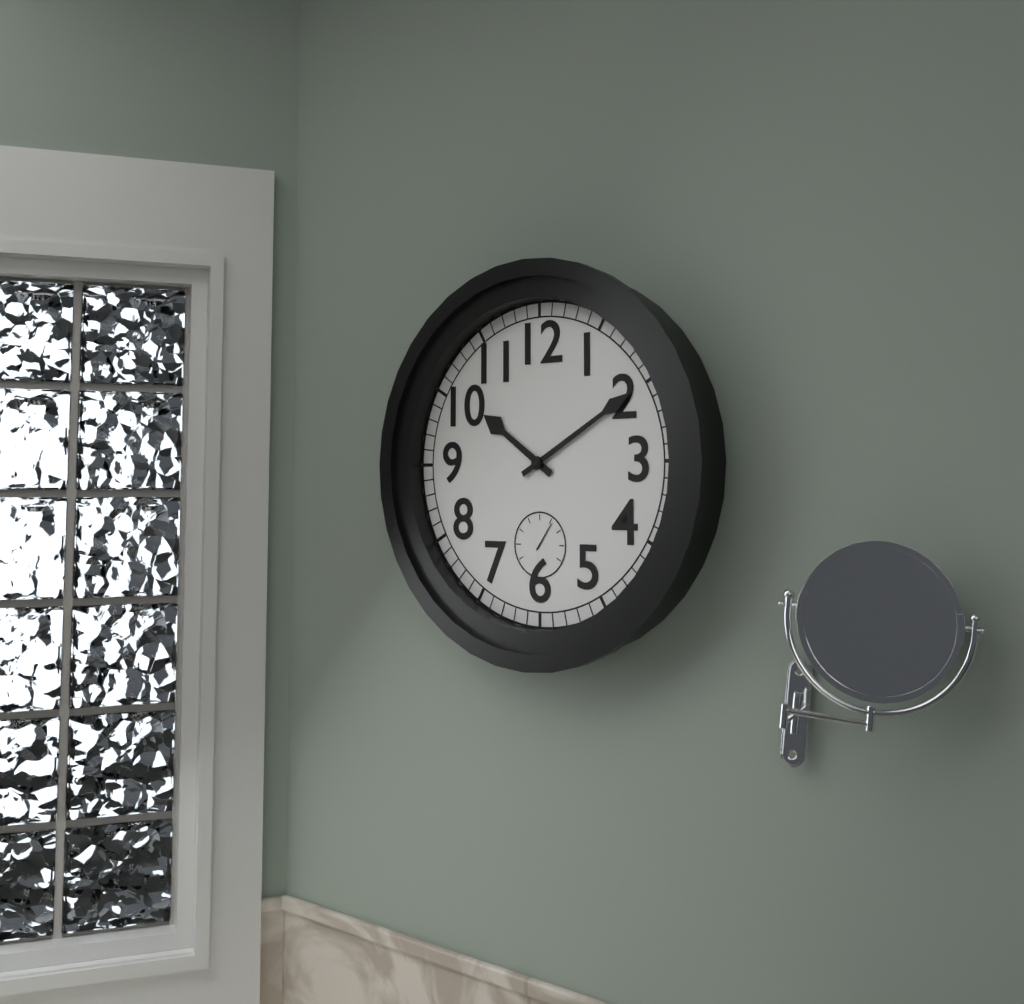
10.10
